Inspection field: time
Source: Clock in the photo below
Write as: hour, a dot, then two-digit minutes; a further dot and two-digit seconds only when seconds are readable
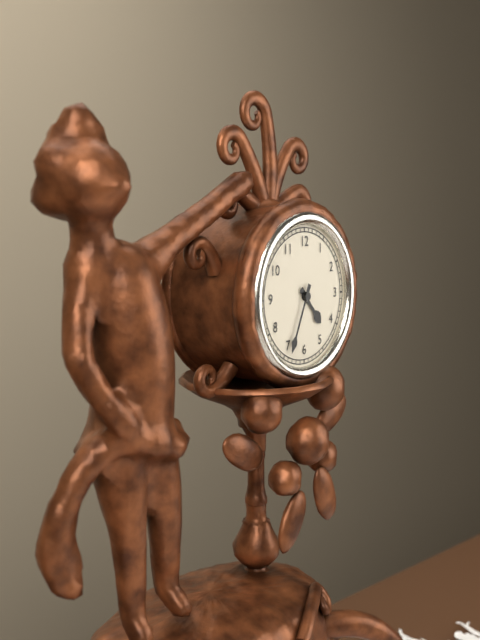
4.34
